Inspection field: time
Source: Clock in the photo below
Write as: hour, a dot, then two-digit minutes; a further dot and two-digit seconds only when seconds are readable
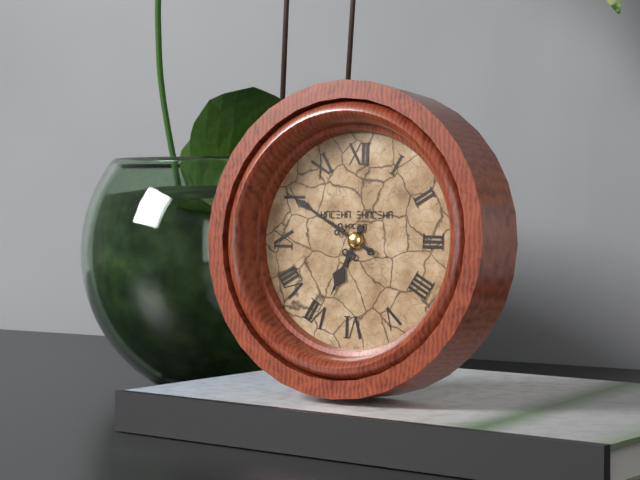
6.50
